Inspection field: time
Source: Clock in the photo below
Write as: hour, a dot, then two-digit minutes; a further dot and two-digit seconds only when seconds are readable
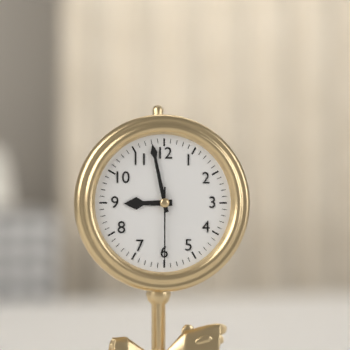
8.58.30
